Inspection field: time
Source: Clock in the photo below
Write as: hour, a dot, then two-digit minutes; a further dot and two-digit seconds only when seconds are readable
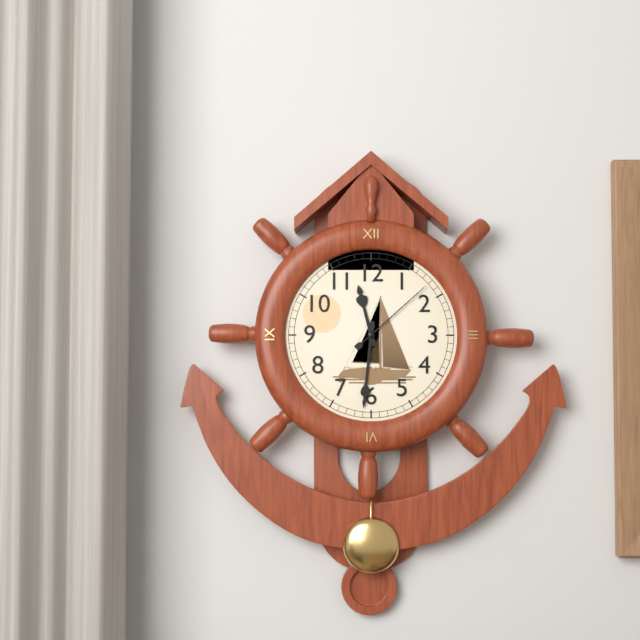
11.31.08
